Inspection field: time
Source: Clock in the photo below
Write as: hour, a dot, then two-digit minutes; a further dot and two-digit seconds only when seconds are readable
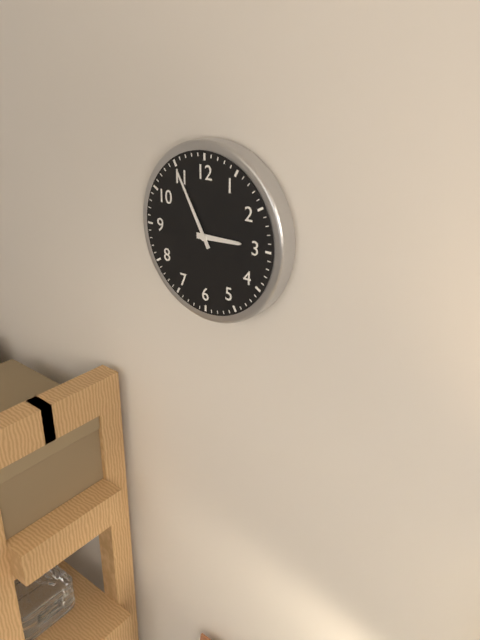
2.55
